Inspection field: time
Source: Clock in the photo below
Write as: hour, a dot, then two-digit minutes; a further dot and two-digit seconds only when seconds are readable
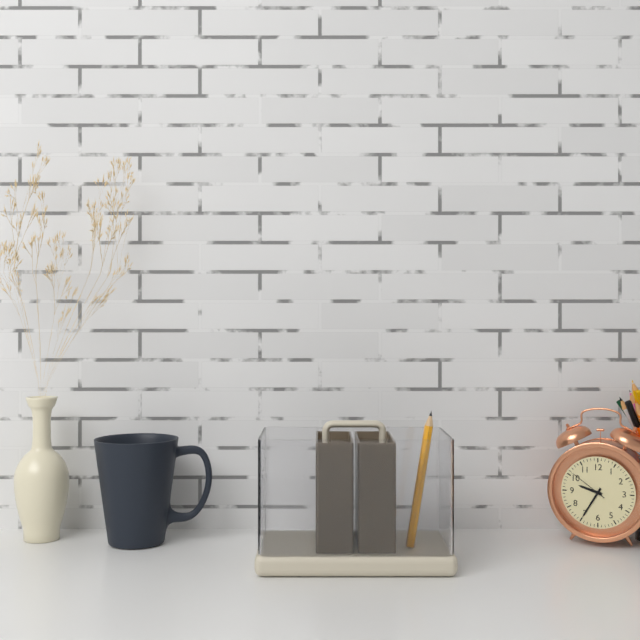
9.35
